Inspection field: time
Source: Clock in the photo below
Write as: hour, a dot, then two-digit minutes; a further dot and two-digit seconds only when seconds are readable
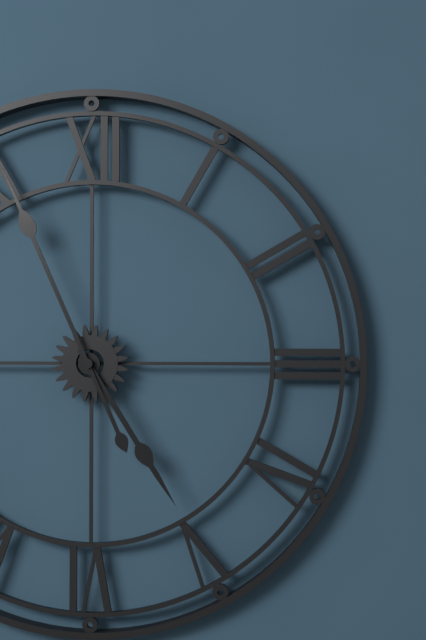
4.56
